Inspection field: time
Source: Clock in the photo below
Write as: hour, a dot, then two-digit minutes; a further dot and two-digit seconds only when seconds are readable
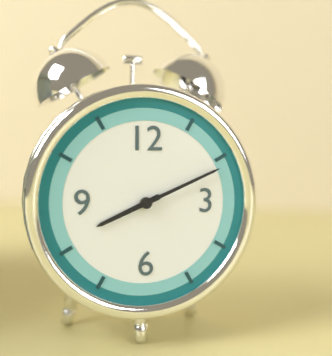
8.11
